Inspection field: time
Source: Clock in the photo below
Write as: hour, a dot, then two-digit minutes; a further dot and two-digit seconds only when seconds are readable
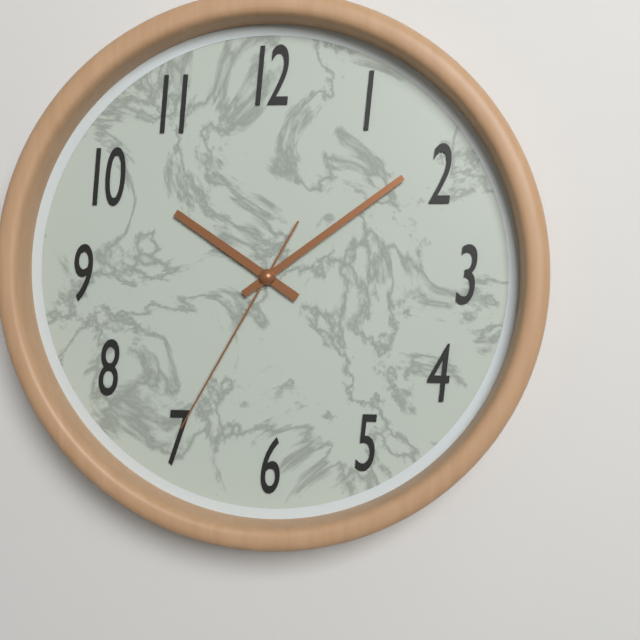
10.09.35
